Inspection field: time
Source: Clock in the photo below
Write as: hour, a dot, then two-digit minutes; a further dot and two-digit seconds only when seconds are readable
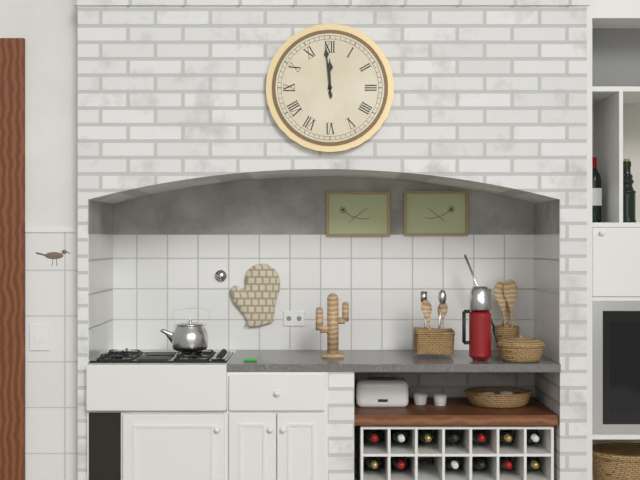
11.59
